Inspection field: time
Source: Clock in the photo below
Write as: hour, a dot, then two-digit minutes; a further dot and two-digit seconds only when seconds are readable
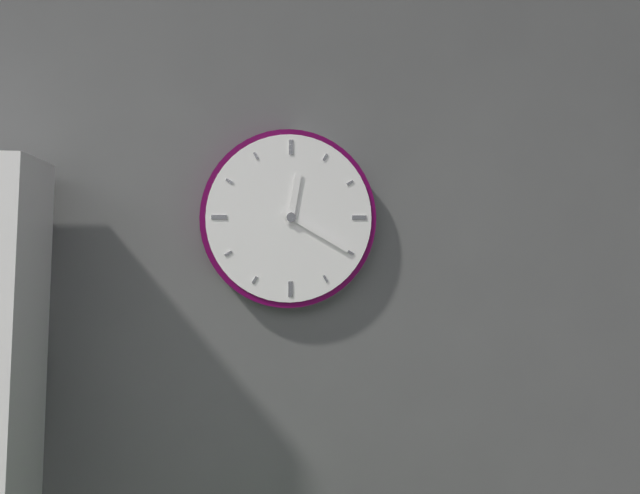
12.20
